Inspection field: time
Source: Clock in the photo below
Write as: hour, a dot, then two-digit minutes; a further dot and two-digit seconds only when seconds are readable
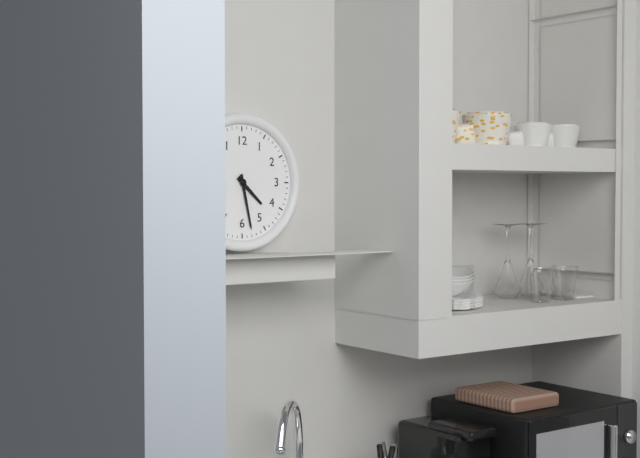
4.28
